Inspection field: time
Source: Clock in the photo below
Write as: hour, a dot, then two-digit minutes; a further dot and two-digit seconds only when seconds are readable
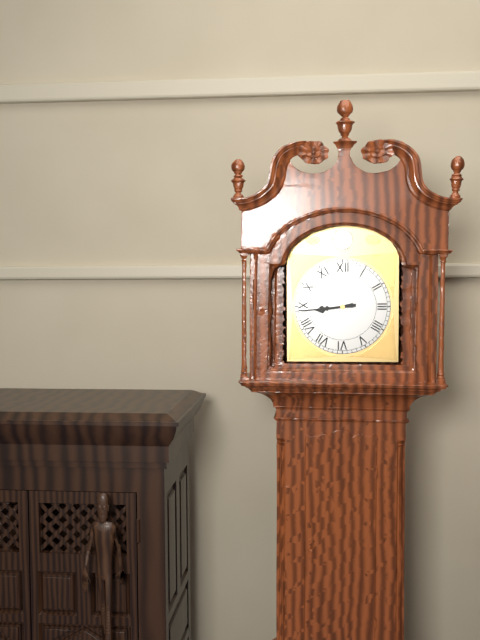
8.44
